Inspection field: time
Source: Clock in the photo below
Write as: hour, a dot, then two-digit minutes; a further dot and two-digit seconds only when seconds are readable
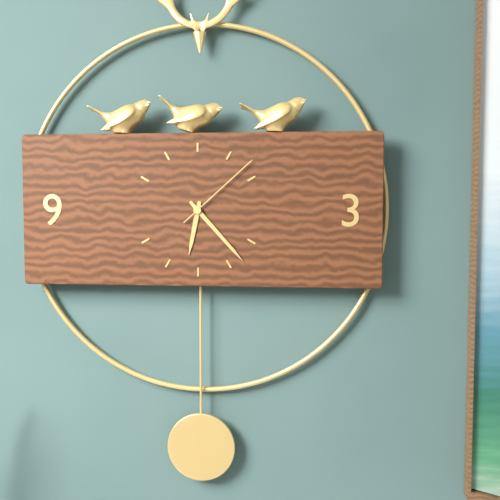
6.23.08
